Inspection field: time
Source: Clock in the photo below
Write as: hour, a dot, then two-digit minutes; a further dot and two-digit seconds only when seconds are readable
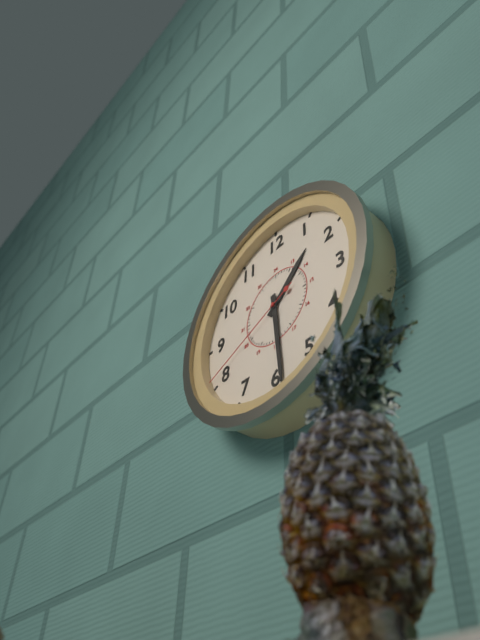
1.29.41
